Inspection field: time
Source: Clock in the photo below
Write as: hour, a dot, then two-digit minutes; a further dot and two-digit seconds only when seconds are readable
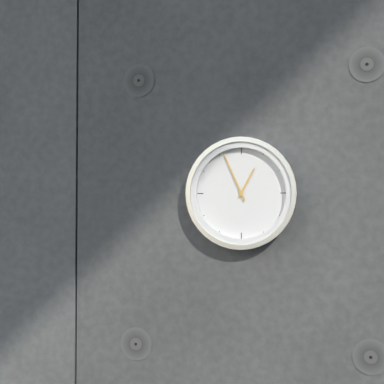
12.56
